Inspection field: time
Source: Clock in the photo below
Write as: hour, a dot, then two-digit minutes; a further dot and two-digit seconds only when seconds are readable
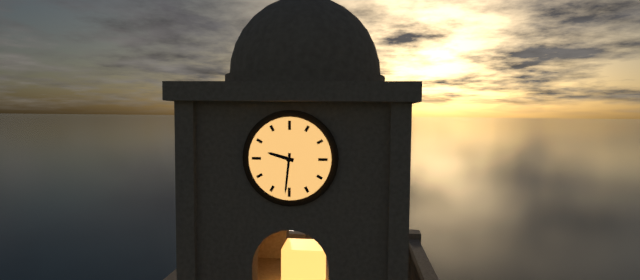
9.31
